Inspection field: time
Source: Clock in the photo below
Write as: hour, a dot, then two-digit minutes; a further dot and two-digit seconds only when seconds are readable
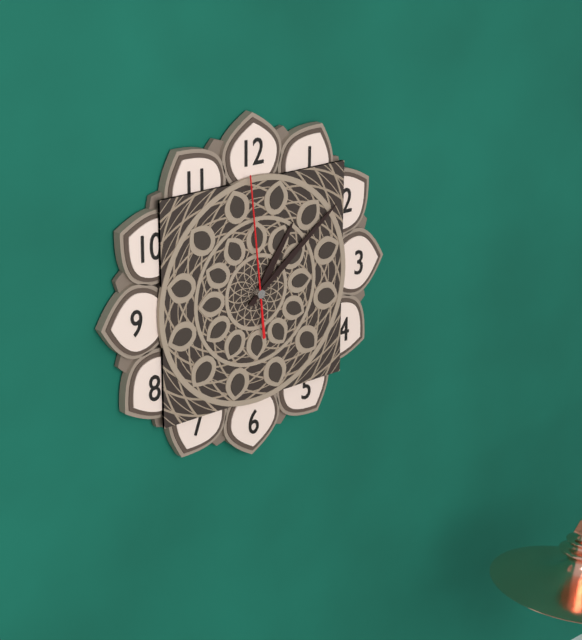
1.09.59
